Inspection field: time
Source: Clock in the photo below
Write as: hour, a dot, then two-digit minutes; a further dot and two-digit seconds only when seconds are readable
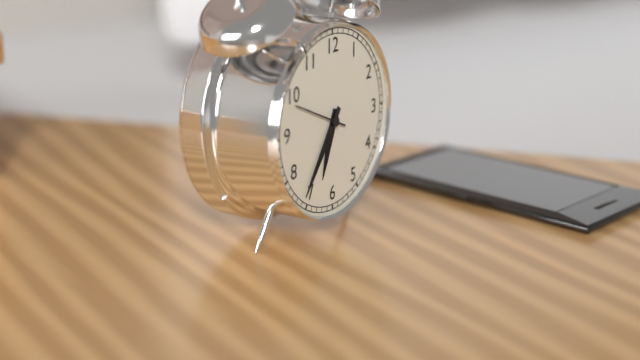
6.36.49
